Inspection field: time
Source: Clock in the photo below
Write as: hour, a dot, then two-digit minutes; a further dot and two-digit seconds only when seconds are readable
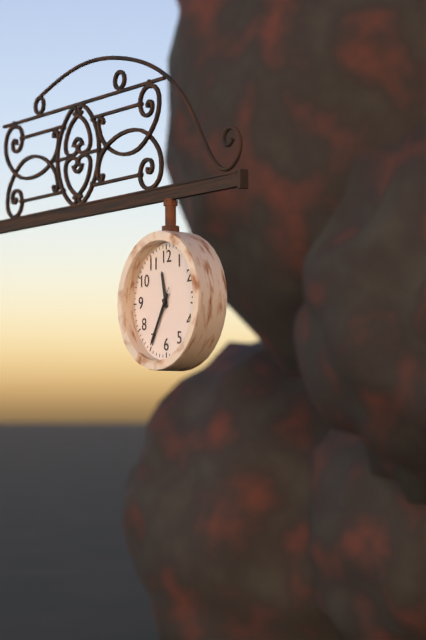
11.35.35
